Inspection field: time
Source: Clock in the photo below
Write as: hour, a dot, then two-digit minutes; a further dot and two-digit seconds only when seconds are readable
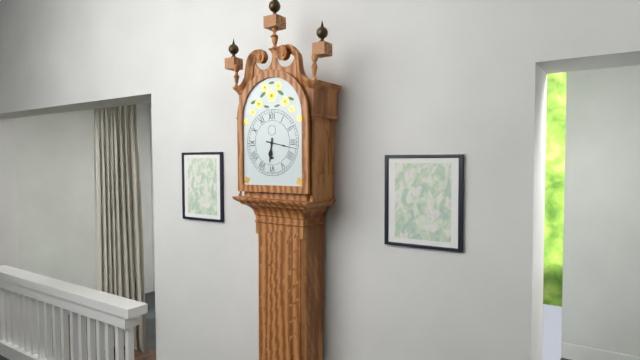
6.17
